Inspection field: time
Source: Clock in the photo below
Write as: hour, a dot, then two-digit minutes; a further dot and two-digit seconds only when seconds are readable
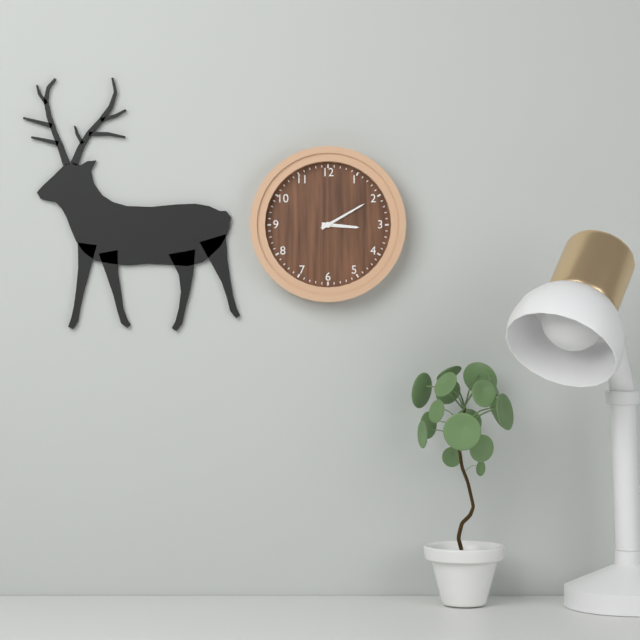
3.10
